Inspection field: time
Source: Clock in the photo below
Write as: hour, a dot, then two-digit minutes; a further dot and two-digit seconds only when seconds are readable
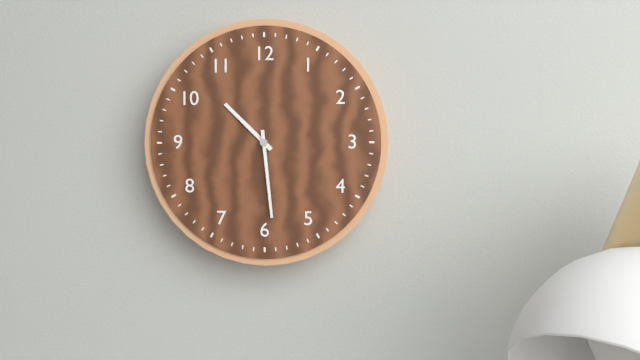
10.29
